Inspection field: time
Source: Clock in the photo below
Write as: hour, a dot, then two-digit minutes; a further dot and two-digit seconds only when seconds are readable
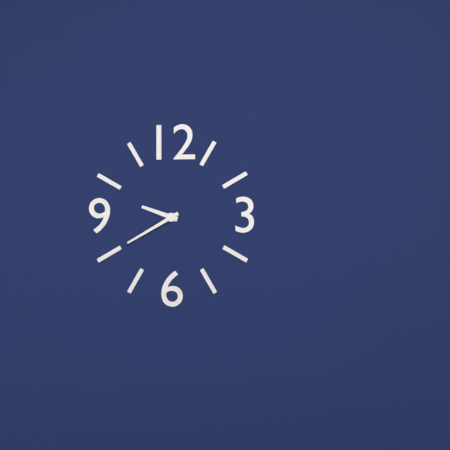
9.40
